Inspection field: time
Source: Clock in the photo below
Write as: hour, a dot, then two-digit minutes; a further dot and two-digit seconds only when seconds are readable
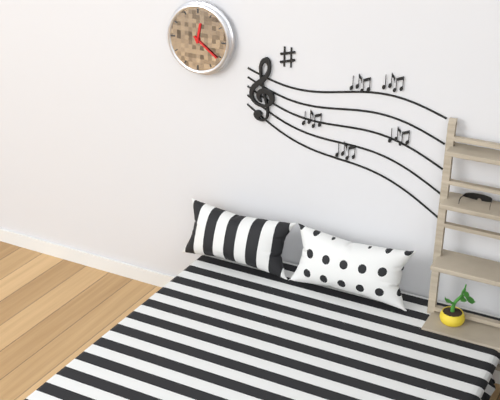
12.21
